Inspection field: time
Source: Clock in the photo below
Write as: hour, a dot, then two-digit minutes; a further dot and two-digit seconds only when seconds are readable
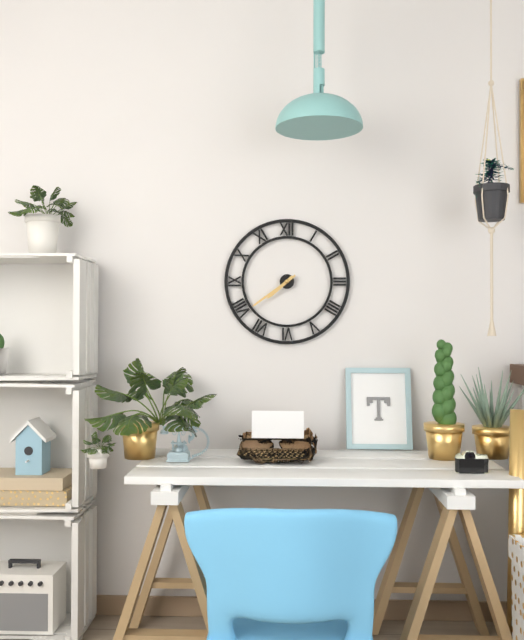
7.39
